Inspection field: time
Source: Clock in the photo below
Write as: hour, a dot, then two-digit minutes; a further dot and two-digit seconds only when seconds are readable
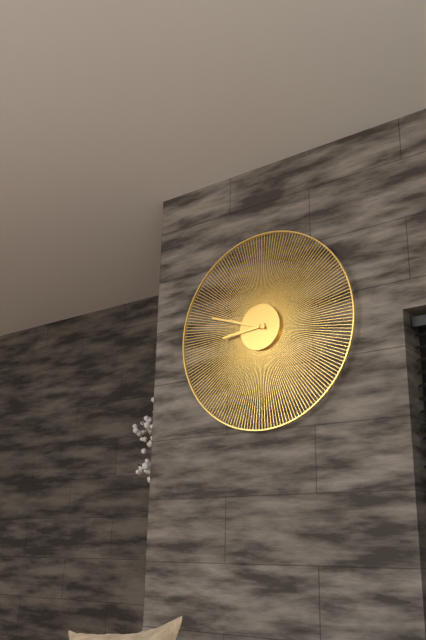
8.48
